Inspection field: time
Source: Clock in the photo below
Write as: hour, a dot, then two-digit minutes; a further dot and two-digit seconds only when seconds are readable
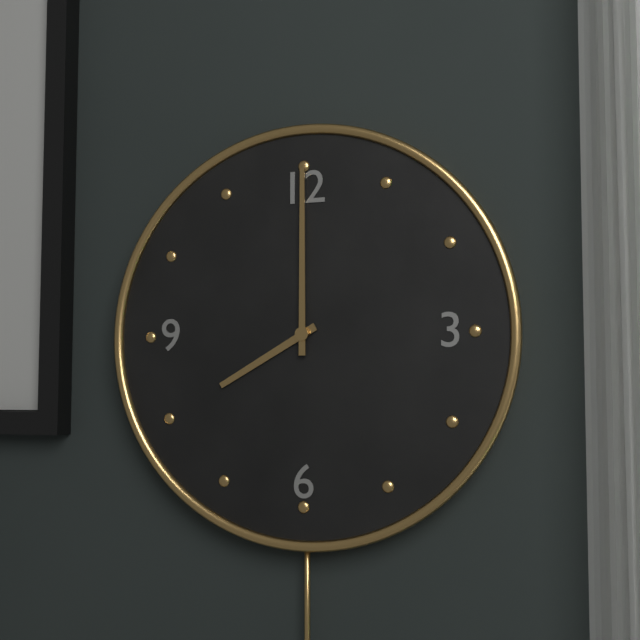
8.00
